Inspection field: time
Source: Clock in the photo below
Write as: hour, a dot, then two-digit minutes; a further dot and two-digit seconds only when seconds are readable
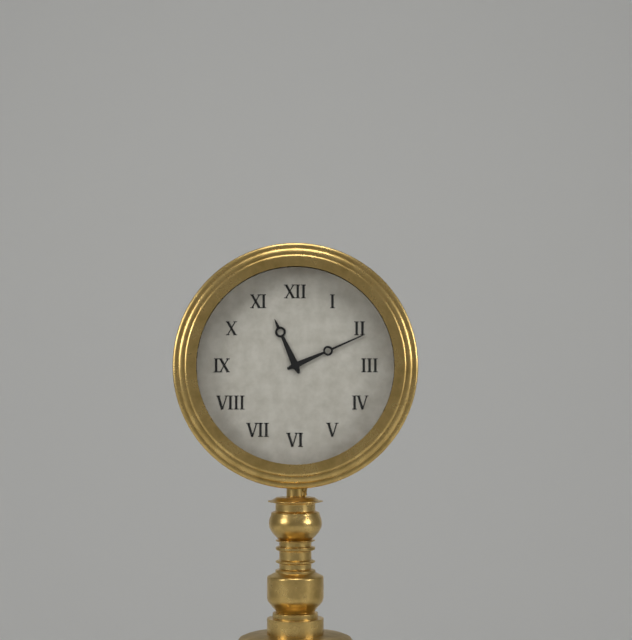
11.11
